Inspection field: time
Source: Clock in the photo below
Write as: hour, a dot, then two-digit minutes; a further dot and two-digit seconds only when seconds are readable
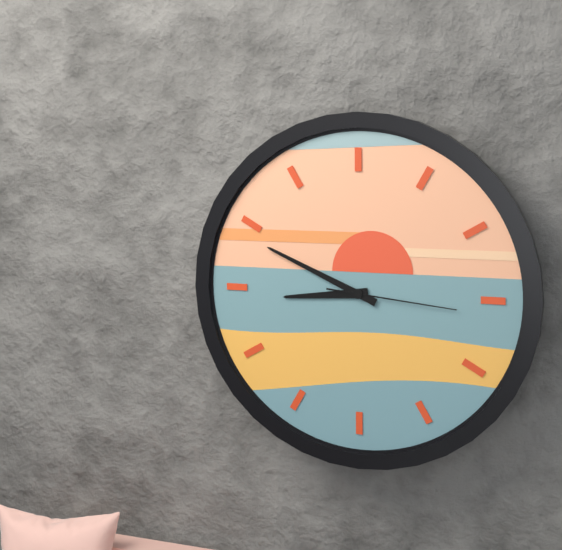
8.49.16
